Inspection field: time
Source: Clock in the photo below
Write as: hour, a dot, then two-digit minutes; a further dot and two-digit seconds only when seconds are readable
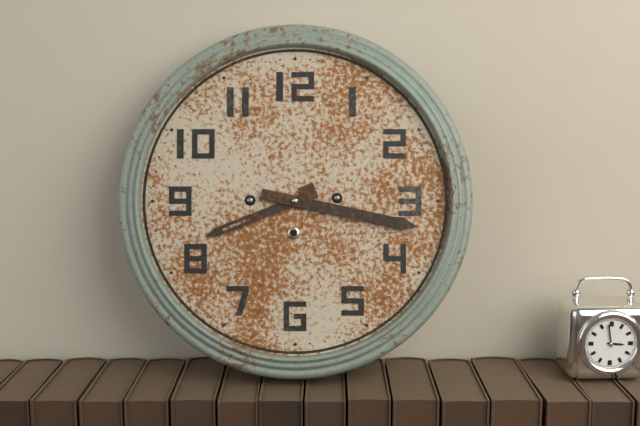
8.17
